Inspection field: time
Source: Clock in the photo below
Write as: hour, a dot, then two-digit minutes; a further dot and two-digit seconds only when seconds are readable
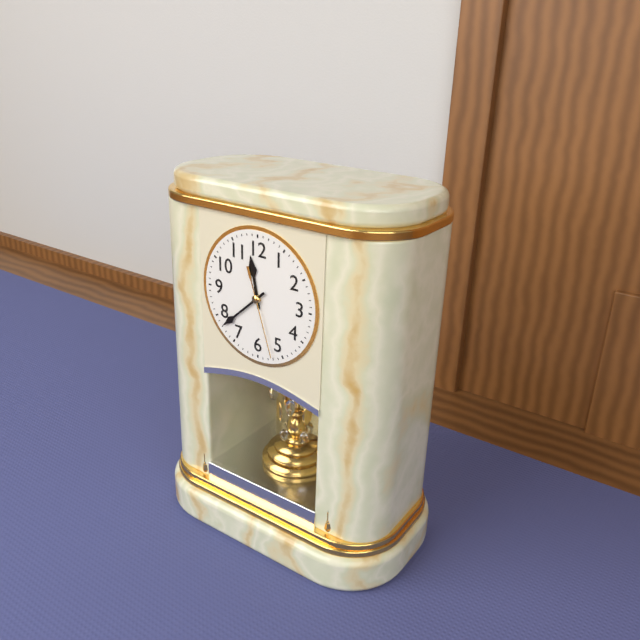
11.38.27
